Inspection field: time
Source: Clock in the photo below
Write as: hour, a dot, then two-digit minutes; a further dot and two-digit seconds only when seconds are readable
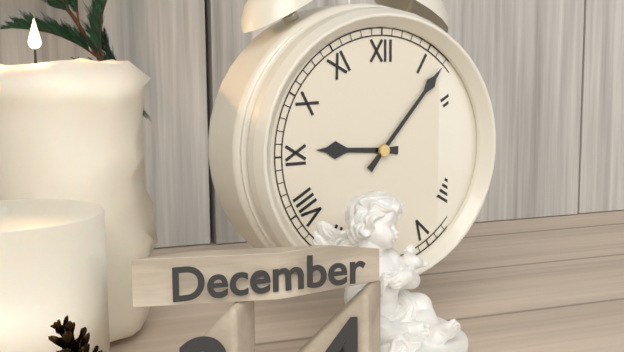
9.07
